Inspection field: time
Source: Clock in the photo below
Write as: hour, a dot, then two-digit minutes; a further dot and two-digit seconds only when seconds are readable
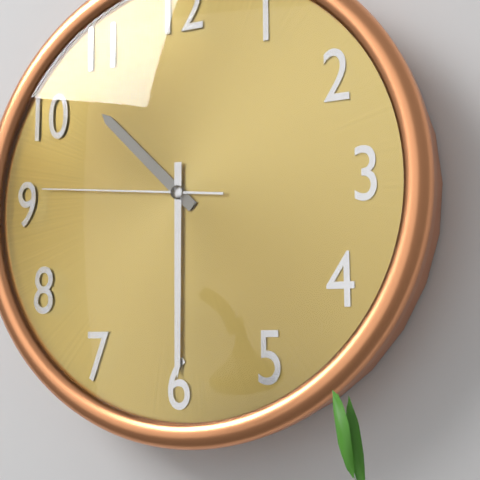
10.30.46
